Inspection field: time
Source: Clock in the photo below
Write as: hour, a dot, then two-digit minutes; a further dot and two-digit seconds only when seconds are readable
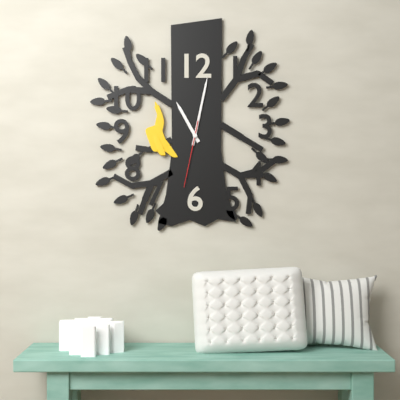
11.02.32
